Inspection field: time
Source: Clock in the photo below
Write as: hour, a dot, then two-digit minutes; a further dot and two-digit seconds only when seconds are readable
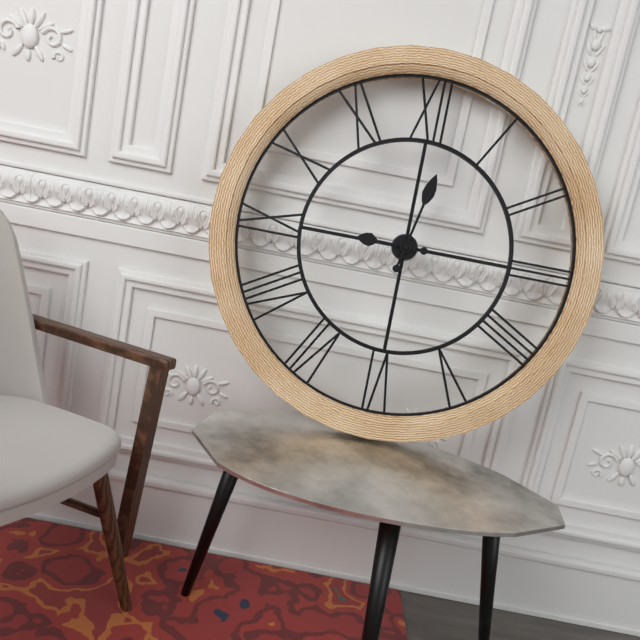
9.02
